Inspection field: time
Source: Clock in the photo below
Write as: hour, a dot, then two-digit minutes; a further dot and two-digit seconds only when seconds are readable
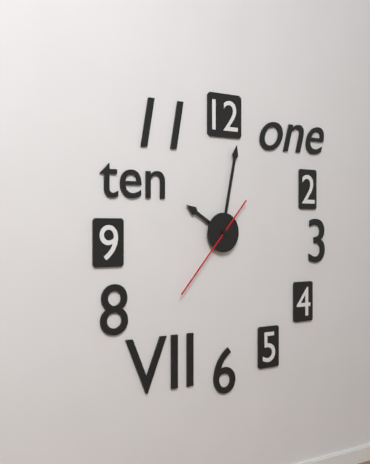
10.02.37
